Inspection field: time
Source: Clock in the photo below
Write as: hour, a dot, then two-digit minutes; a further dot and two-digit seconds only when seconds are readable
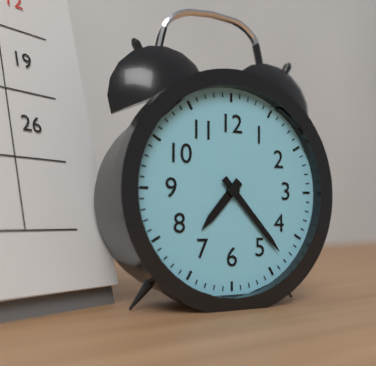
7.23
